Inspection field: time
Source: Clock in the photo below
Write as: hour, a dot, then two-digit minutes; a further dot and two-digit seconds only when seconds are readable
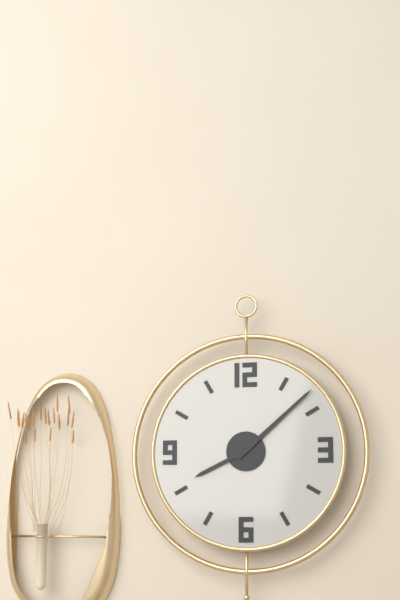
8.08
